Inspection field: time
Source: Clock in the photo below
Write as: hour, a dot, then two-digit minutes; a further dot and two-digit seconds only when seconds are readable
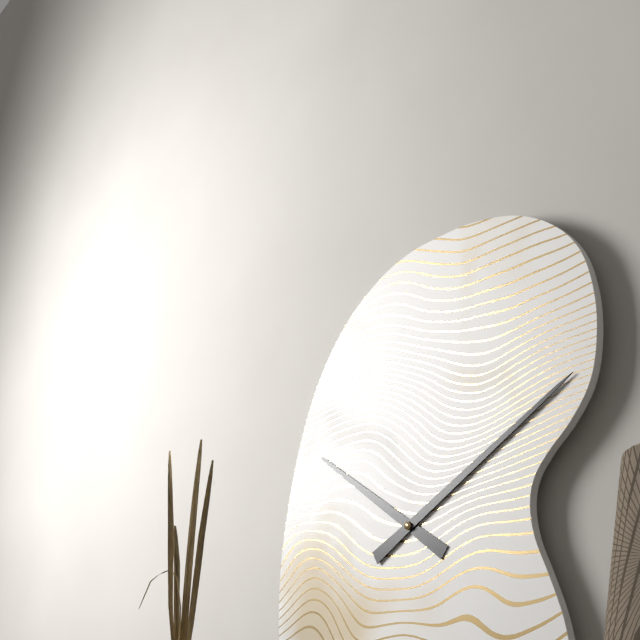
10.10
